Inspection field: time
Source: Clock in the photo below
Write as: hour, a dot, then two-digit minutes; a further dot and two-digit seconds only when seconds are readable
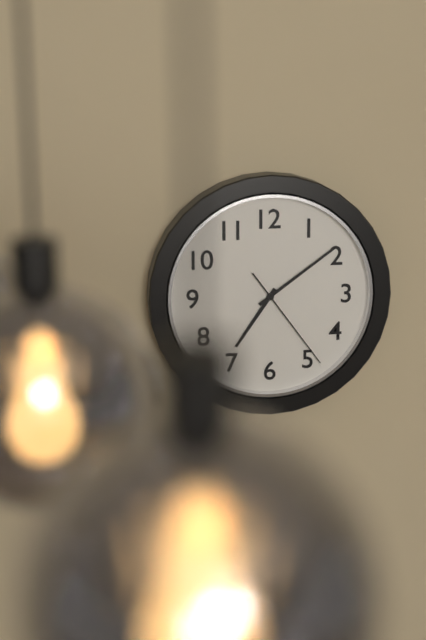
7.09.24
